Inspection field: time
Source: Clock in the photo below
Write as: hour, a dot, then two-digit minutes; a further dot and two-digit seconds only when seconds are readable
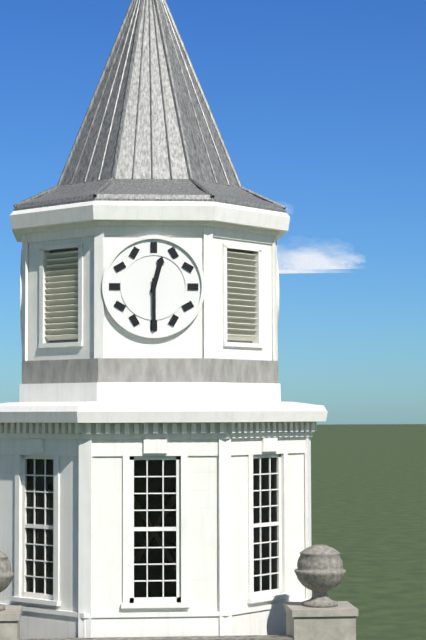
12.30
